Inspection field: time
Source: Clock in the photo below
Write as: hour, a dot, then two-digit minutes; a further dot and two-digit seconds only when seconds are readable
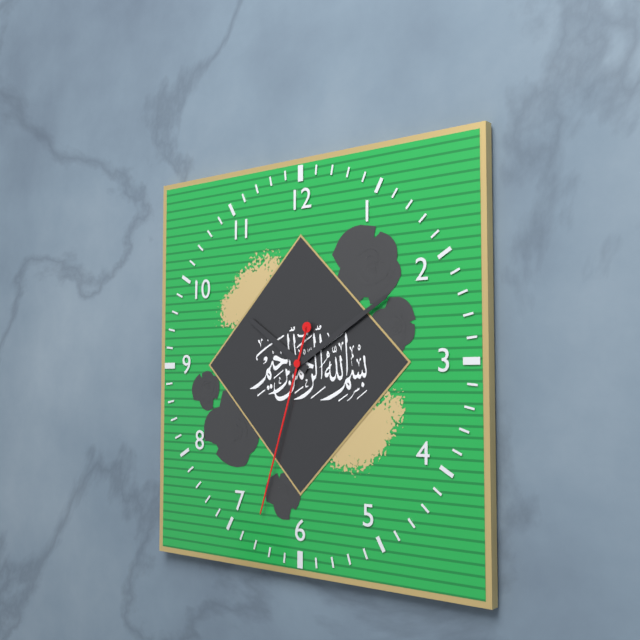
10.10.33
